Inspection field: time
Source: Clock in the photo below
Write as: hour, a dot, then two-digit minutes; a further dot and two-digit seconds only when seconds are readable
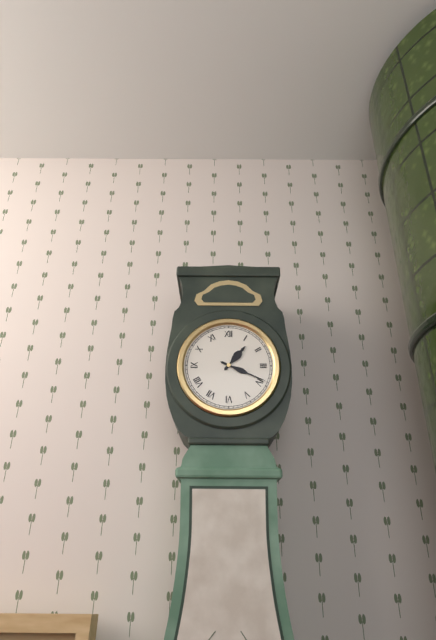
1.19
